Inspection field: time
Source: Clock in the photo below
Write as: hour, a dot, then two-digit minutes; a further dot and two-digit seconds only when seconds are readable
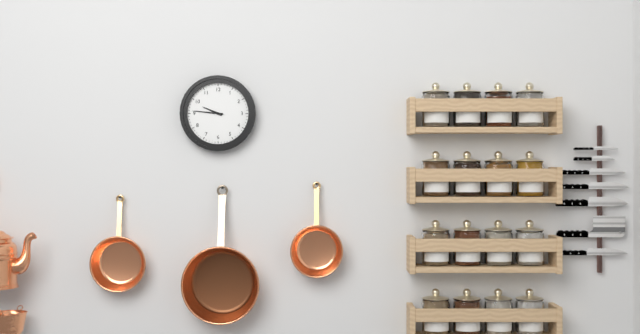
9.46
